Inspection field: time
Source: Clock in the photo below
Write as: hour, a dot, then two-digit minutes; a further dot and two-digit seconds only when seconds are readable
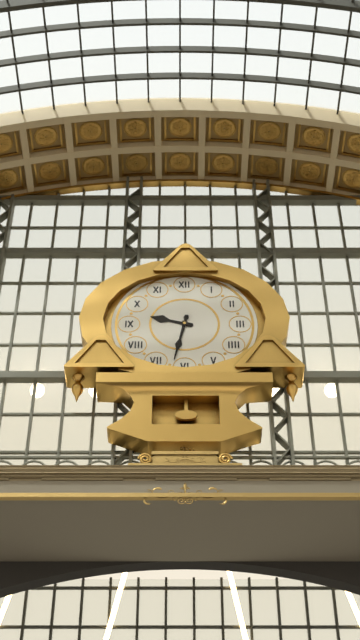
9.32
